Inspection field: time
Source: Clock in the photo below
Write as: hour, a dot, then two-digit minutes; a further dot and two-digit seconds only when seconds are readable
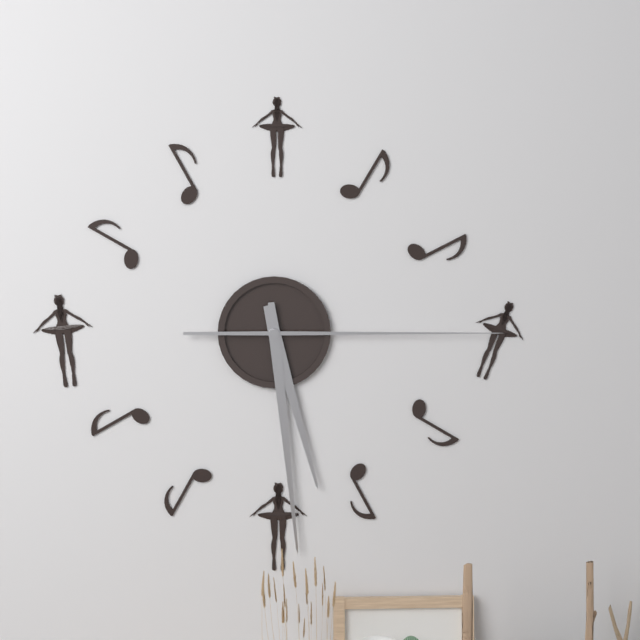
5.29.15
